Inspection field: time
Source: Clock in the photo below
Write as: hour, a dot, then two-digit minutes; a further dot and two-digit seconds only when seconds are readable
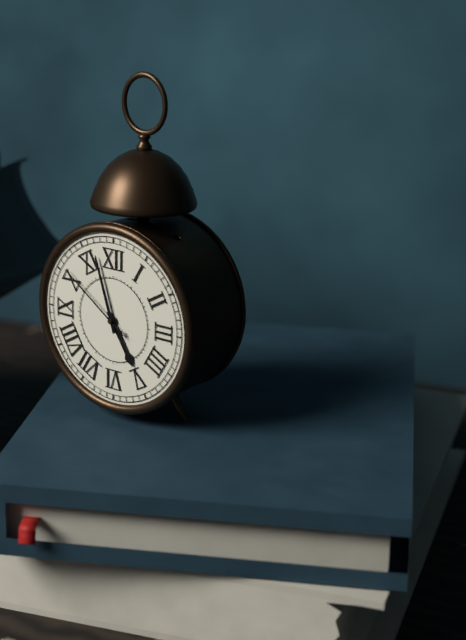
4.57.51
